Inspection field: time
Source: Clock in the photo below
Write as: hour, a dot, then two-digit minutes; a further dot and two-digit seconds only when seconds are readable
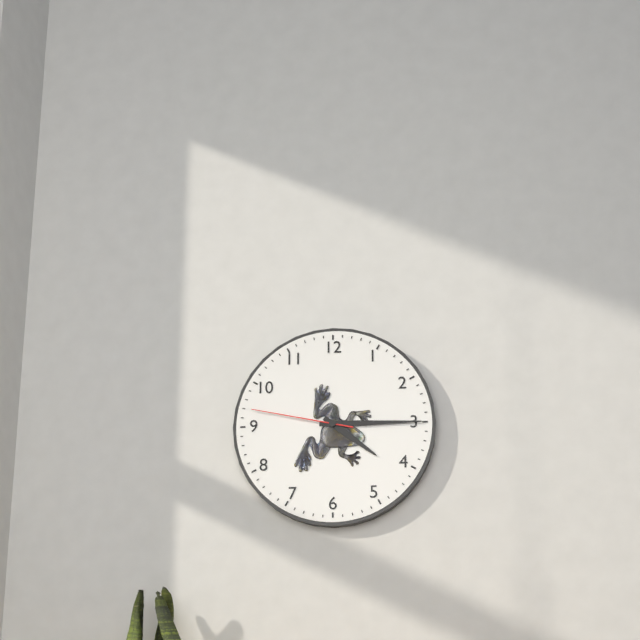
4.15.47
